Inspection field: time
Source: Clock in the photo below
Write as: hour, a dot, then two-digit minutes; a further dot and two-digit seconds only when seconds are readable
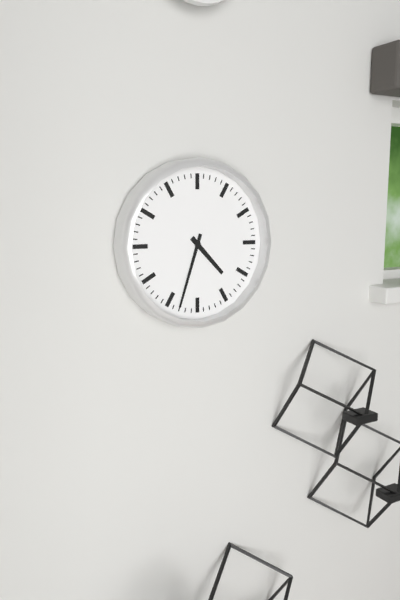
4.33
